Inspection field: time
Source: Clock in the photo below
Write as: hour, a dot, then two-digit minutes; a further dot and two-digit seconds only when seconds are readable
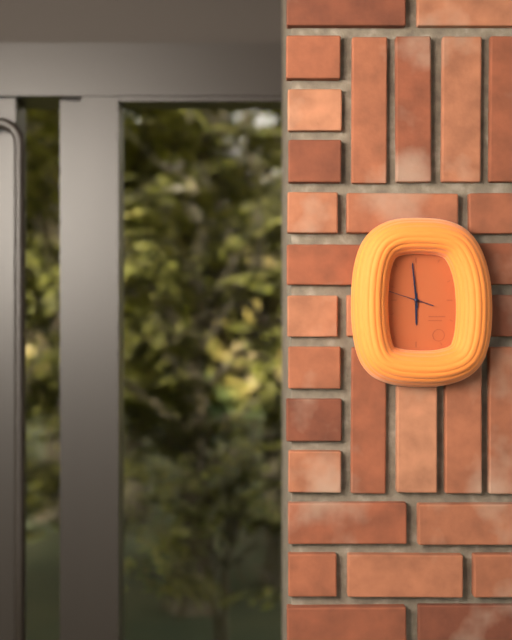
5.59
